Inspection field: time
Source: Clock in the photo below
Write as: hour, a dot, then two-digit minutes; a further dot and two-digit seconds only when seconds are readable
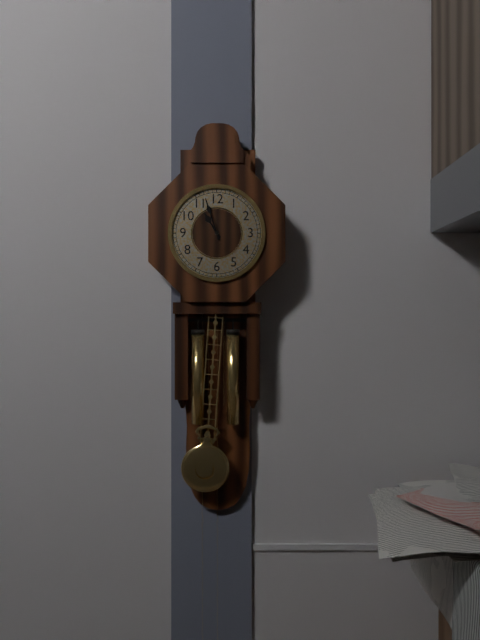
10.57
